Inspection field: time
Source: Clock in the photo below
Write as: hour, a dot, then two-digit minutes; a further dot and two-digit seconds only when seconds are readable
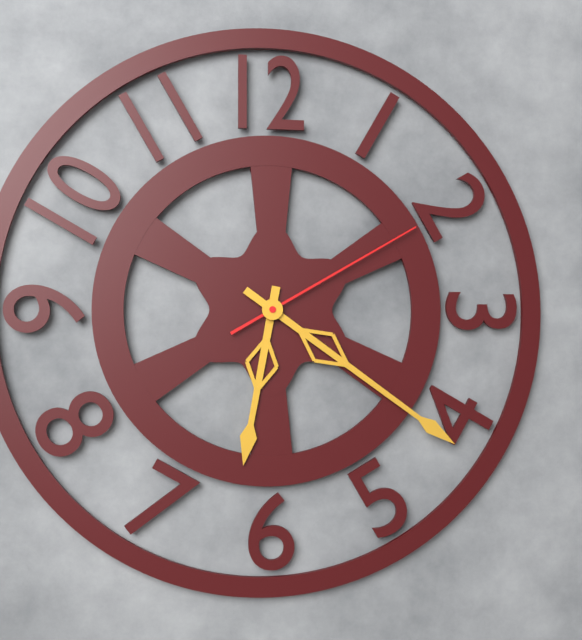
6.21.10
